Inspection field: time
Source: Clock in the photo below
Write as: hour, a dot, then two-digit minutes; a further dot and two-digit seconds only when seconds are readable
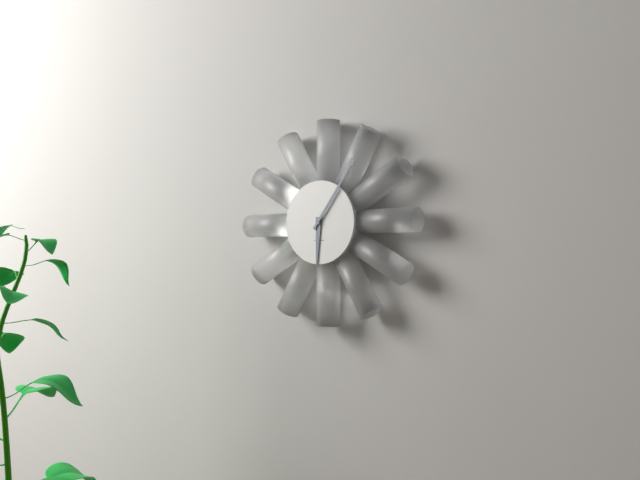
6.06
